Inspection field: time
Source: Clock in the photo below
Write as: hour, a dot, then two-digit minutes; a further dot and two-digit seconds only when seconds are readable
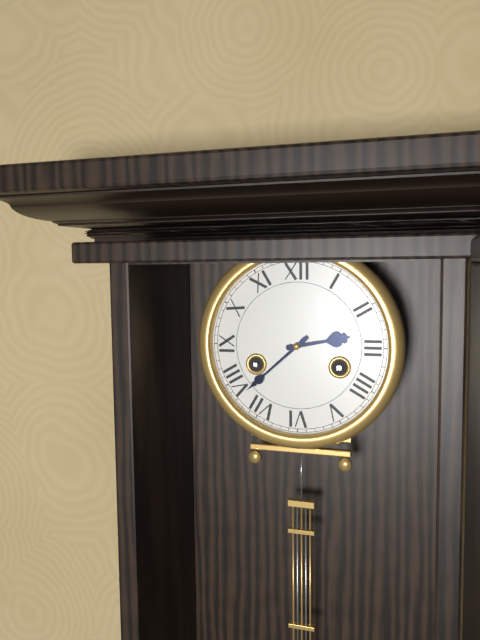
2.38
